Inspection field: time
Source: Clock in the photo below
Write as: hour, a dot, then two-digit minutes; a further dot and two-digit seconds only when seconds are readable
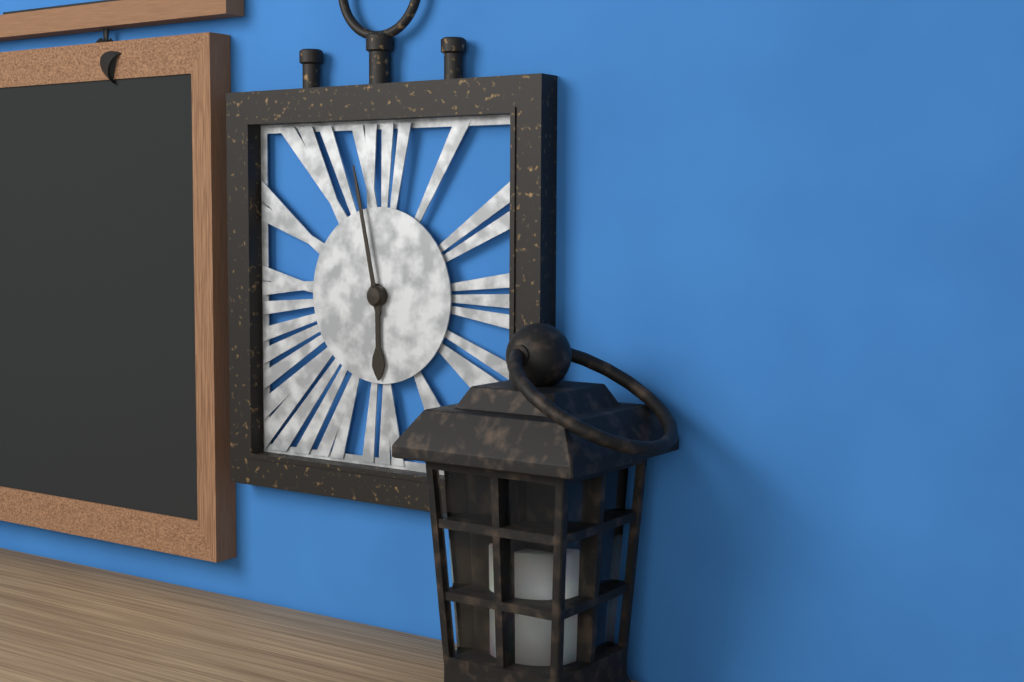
5.58
